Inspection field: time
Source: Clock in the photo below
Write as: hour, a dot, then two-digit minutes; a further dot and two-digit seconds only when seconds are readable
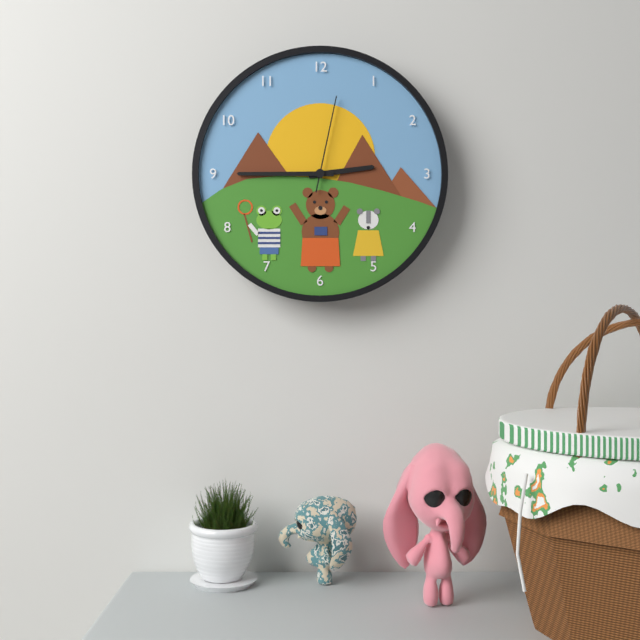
2.45.02
